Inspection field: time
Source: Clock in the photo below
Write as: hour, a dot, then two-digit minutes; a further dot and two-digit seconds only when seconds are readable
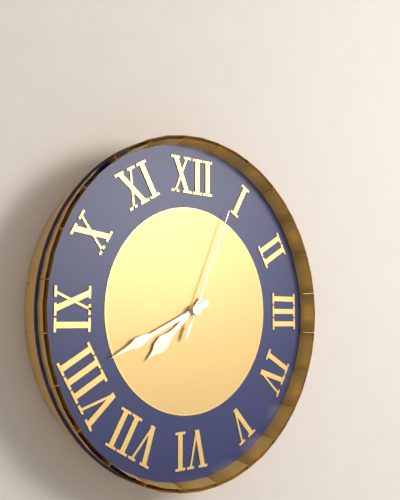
7.41.04
